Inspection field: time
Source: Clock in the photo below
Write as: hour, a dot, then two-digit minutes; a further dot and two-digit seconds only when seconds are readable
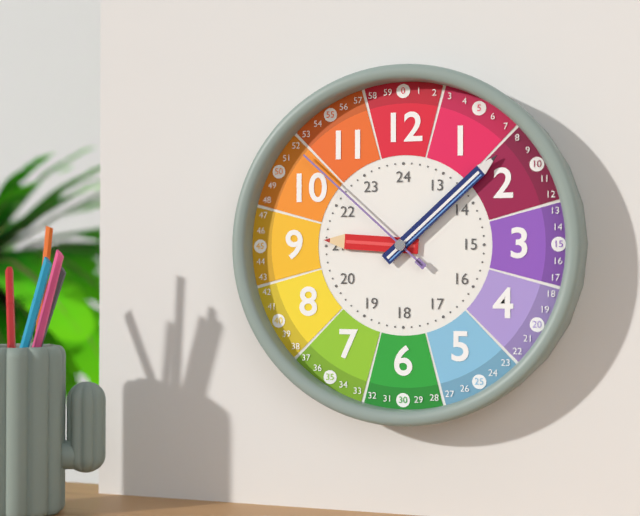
9.08.52
